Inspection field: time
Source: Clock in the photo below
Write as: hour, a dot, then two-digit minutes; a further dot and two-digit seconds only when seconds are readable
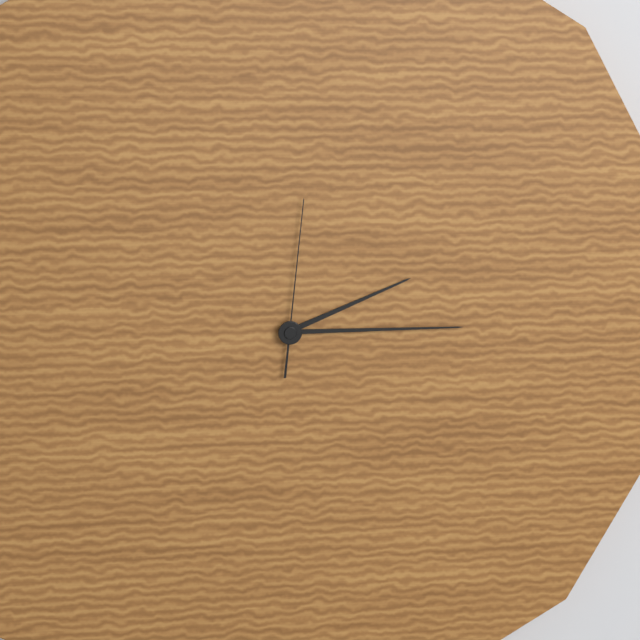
2.15.01
